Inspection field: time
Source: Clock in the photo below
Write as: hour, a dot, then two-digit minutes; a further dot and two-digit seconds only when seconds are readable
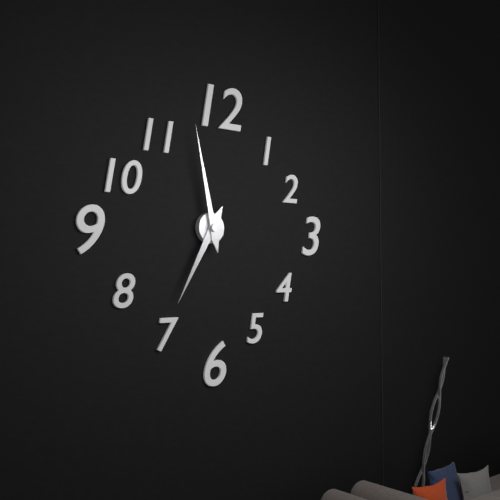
6.58
